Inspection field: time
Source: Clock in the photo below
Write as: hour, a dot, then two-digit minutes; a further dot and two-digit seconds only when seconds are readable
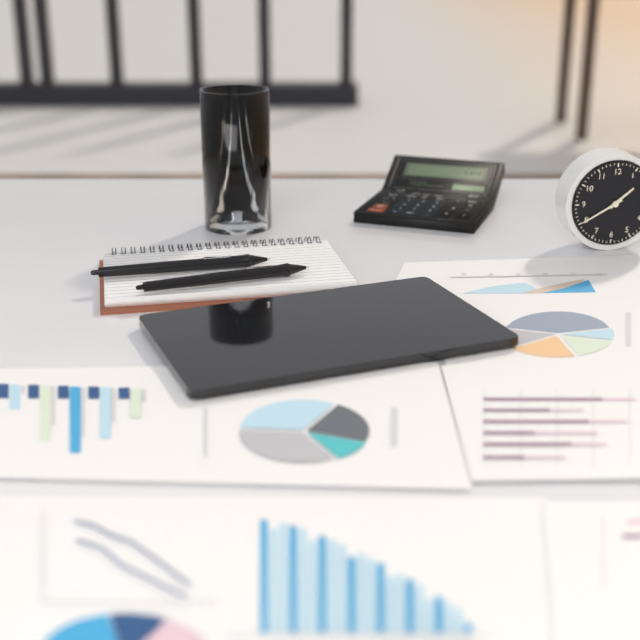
1.40
